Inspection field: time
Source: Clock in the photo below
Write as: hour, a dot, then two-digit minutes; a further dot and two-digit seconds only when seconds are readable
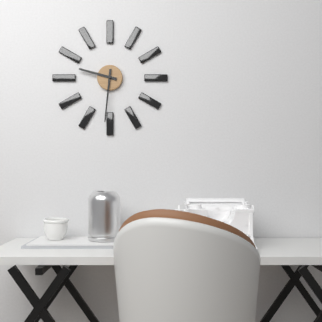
9.31
